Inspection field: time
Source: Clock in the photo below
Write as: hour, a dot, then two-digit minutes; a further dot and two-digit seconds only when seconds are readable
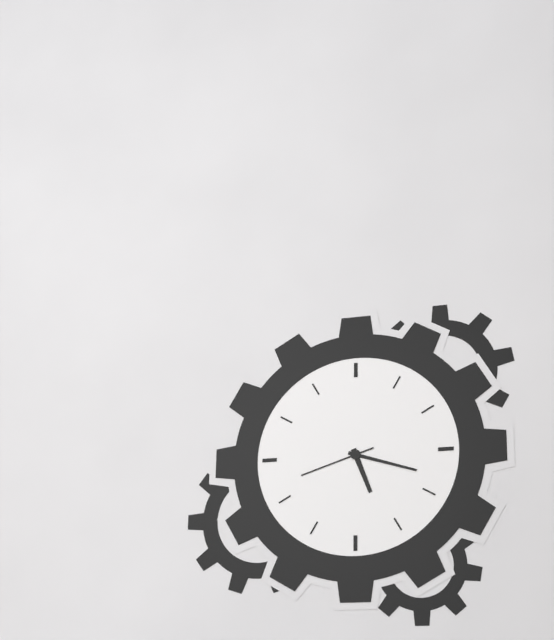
5.18.42
